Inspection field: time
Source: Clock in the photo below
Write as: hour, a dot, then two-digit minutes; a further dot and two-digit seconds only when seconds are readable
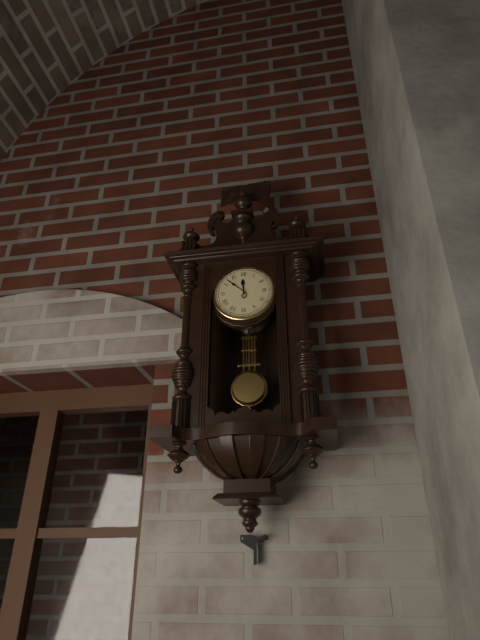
11.52
